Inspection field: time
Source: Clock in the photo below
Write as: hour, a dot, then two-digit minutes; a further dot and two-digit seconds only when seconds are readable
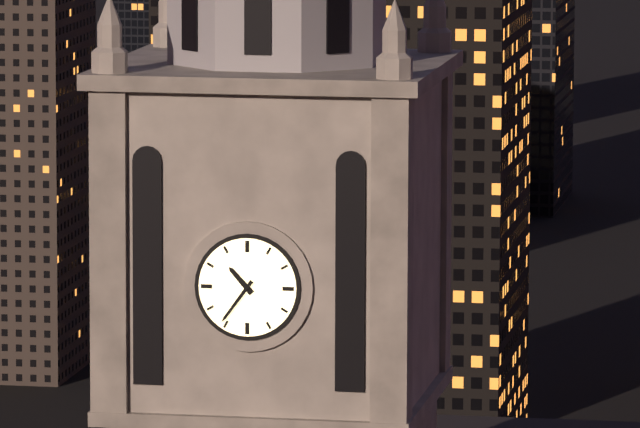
10.36
